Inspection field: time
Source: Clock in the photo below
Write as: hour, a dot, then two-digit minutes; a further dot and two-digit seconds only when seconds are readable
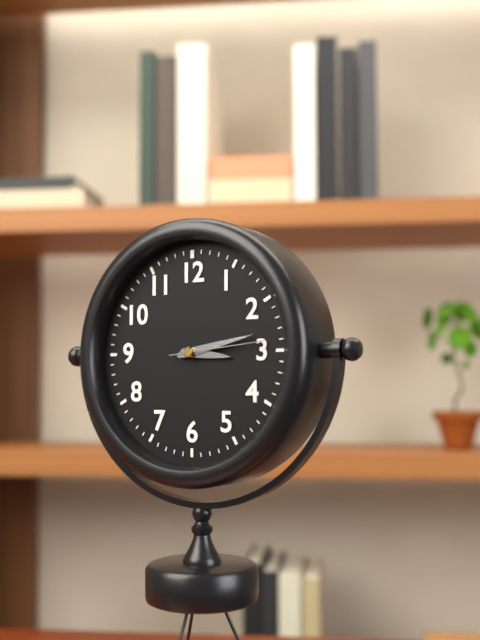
3.13.14
